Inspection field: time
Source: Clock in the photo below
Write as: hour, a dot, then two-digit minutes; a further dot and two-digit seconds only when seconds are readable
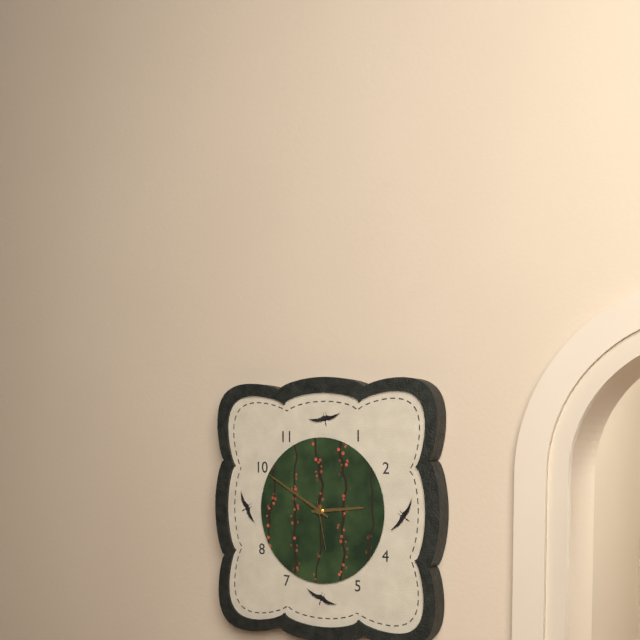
2.50.28
